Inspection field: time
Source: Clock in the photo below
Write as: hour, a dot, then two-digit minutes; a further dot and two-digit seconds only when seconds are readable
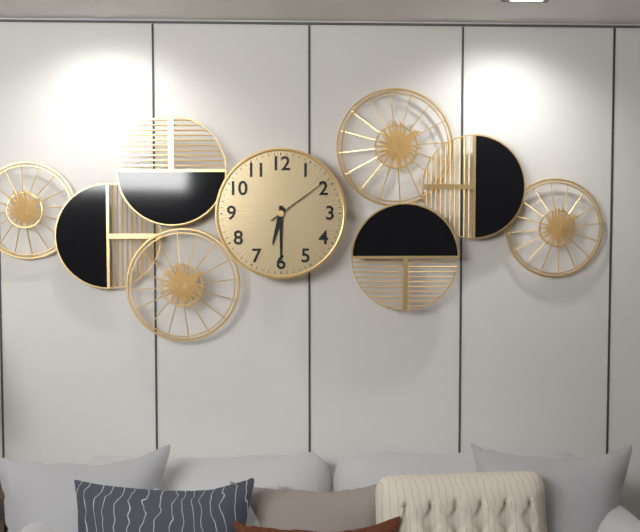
6.30.09
